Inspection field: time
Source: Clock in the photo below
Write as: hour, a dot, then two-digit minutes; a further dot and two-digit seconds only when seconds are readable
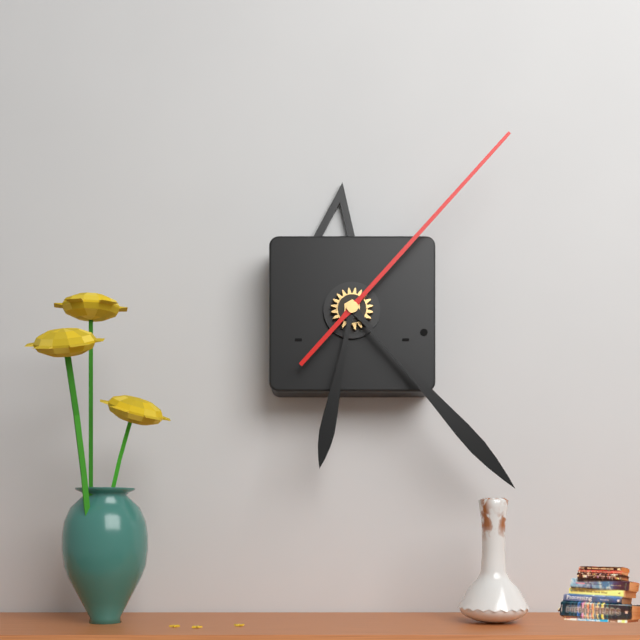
6.23.07
